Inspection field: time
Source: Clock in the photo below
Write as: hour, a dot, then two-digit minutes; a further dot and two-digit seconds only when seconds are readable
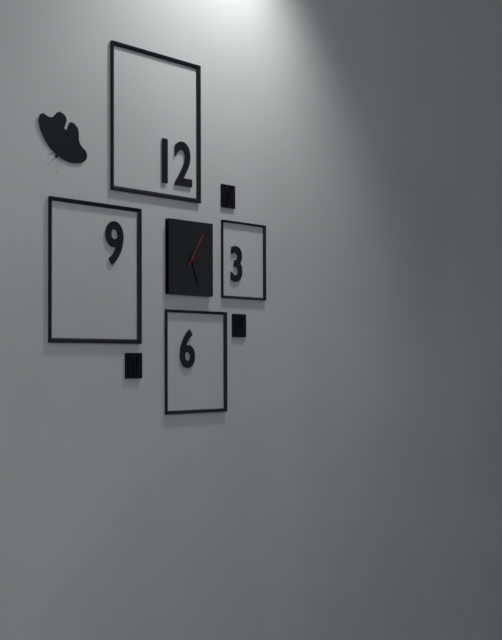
2.26
